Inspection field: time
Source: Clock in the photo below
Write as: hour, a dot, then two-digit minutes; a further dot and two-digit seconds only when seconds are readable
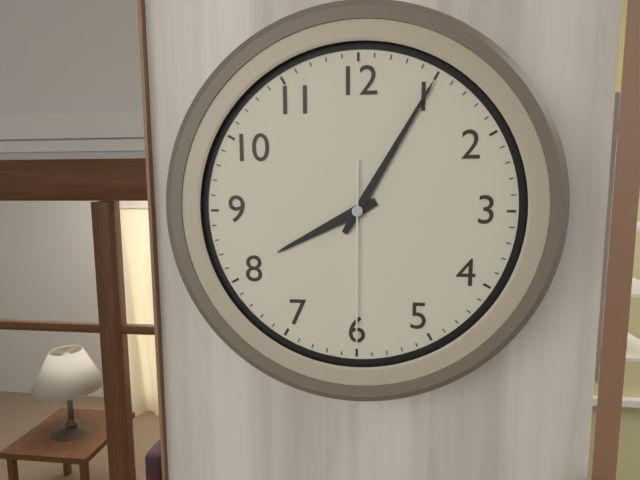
8.05.30
